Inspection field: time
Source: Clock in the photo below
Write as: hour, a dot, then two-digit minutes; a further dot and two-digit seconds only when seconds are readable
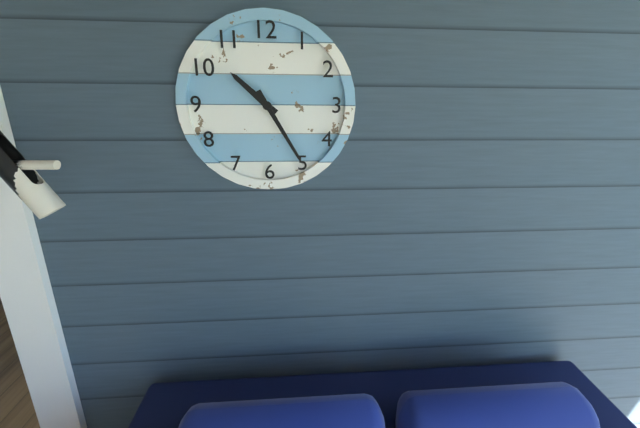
10.25
